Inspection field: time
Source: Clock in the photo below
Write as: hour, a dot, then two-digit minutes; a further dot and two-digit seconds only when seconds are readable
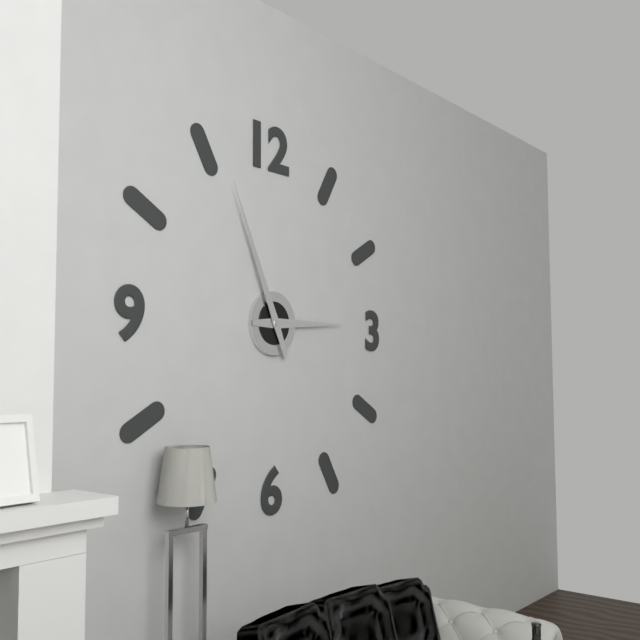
2.56
